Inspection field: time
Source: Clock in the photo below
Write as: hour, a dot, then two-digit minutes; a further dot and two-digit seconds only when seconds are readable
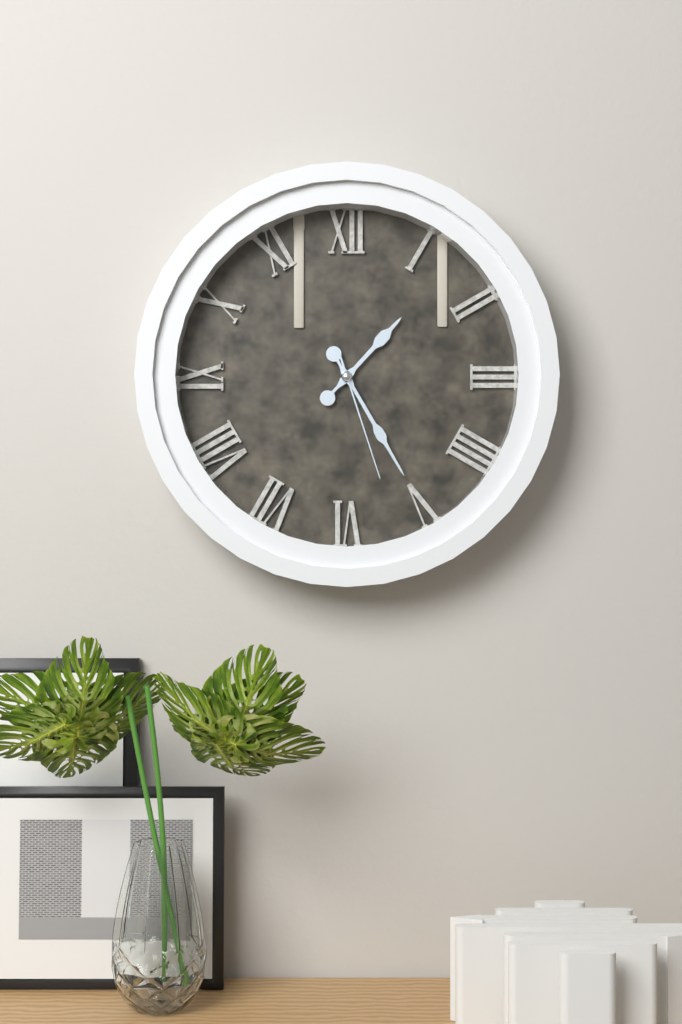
1.25.27
